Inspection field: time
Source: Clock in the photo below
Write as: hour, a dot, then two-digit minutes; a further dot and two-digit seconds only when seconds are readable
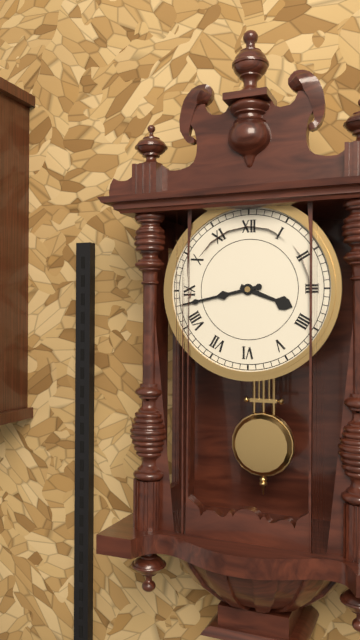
3.43
